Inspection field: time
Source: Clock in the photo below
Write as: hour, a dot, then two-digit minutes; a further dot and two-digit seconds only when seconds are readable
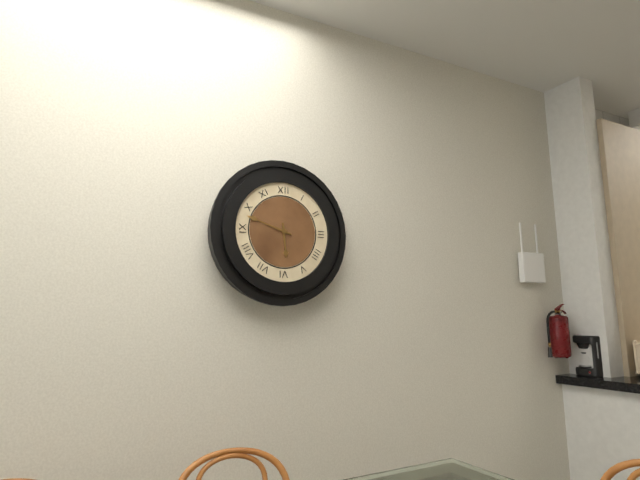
5.48
